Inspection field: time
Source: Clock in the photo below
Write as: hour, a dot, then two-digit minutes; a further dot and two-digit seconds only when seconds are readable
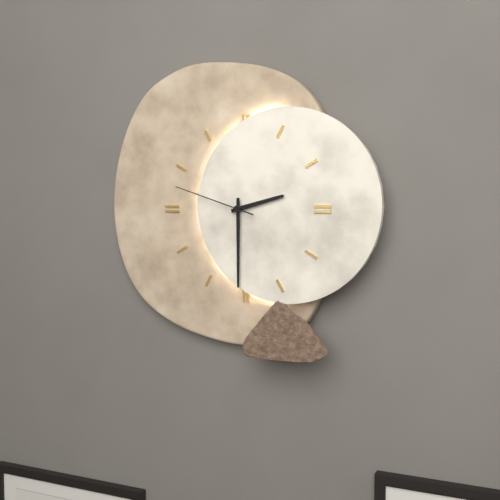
2.30.48
